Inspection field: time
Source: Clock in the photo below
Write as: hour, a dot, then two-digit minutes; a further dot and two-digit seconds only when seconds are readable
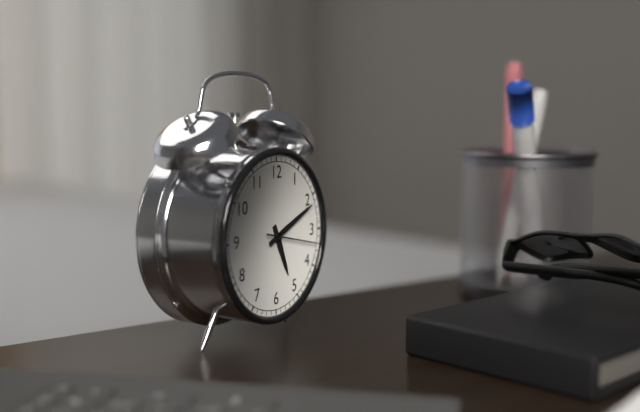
5.11.17
